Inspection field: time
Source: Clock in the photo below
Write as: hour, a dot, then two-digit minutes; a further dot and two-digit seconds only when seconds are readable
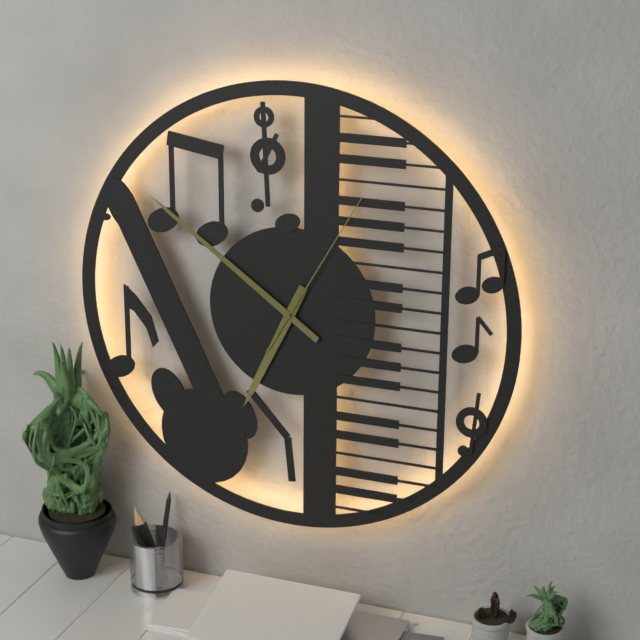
6.51.05
